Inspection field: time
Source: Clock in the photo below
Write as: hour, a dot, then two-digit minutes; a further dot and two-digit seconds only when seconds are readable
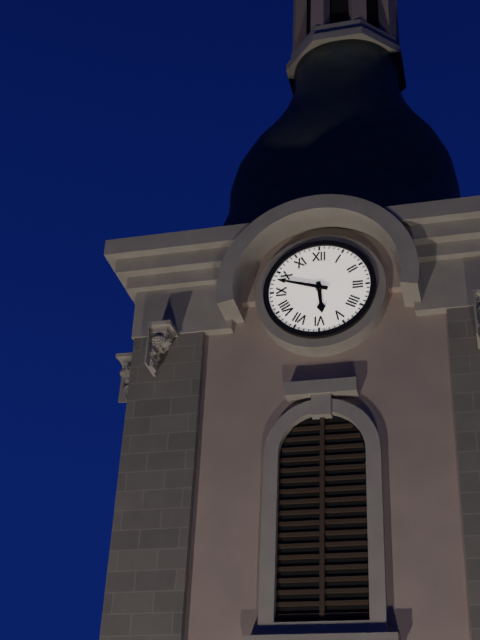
5.48
